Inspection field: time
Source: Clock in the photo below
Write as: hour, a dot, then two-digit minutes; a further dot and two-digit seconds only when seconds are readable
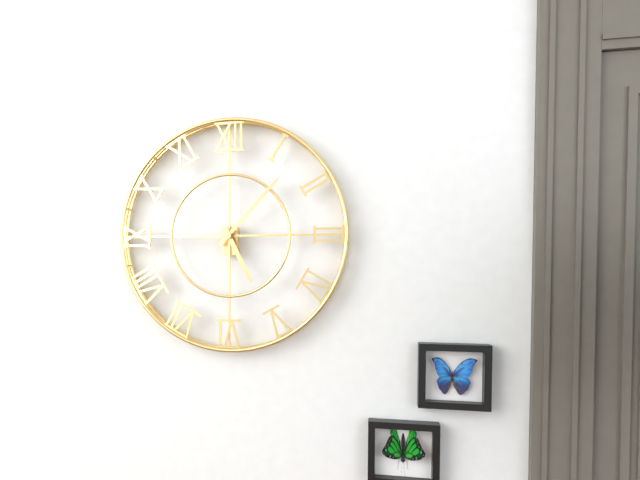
5.07
